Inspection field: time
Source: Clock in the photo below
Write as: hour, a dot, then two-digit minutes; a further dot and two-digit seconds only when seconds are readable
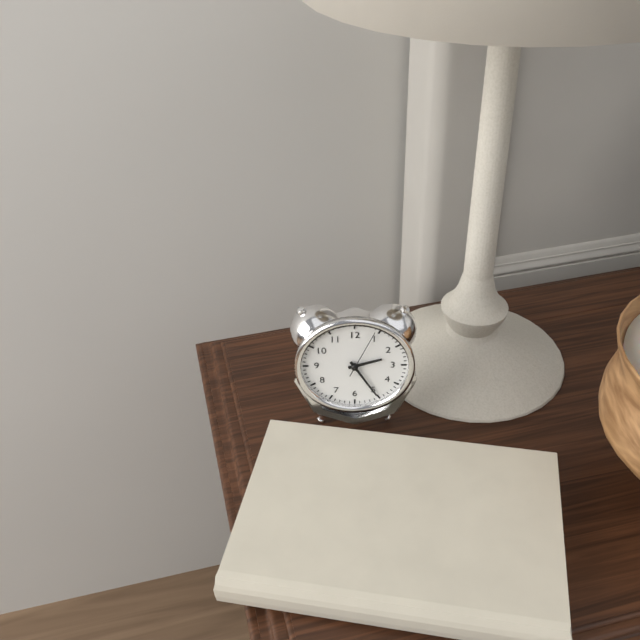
2.25
